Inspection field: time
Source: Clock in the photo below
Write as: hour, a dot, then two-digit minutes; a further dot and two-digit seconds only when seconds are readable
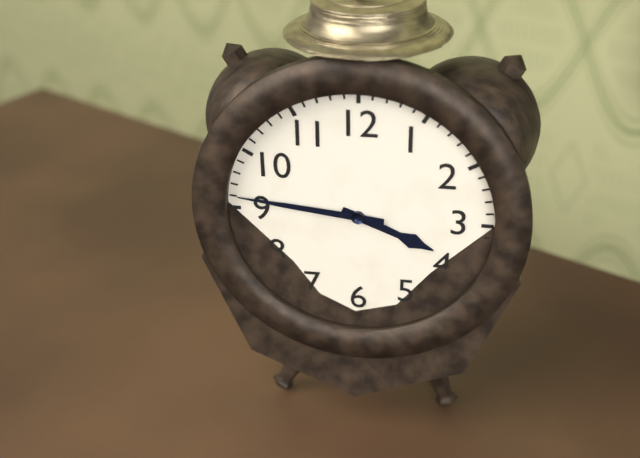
3.46
